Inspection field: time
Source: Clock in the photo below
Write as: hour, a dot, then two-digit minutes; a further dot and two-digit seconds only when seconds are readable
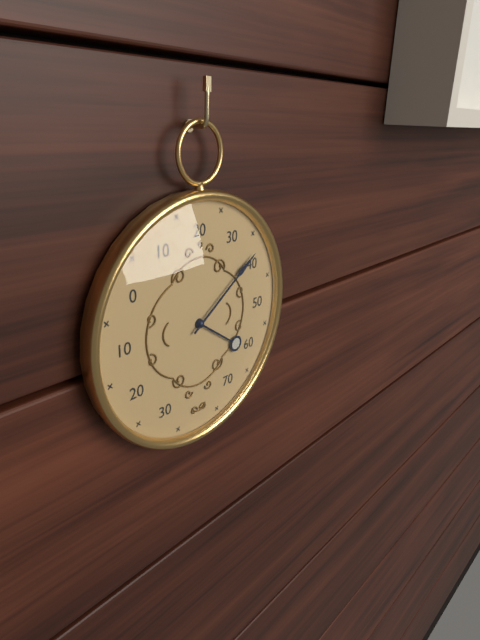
4.09
